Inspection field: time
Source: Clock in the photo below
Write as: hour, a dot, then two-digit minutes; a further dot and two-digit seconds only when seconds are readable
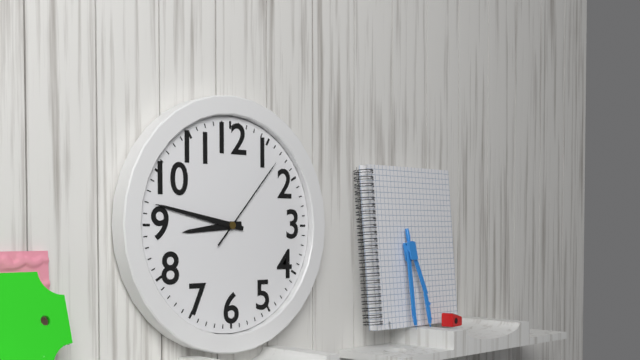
8.47.07
